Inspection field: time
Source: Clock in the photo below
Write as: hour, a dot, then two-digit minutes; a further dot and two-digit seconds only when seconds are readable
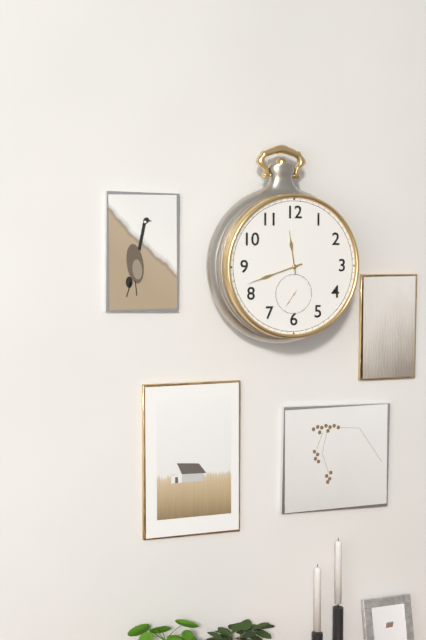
11.42
